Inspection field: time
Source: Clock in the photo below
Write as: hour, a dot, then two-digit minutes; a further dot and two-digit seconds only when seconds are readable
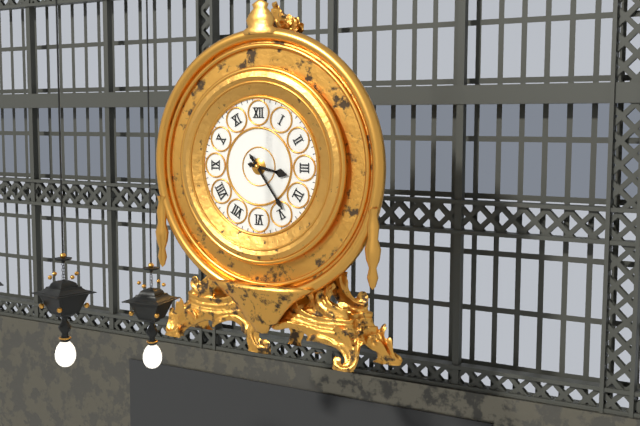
3.24
